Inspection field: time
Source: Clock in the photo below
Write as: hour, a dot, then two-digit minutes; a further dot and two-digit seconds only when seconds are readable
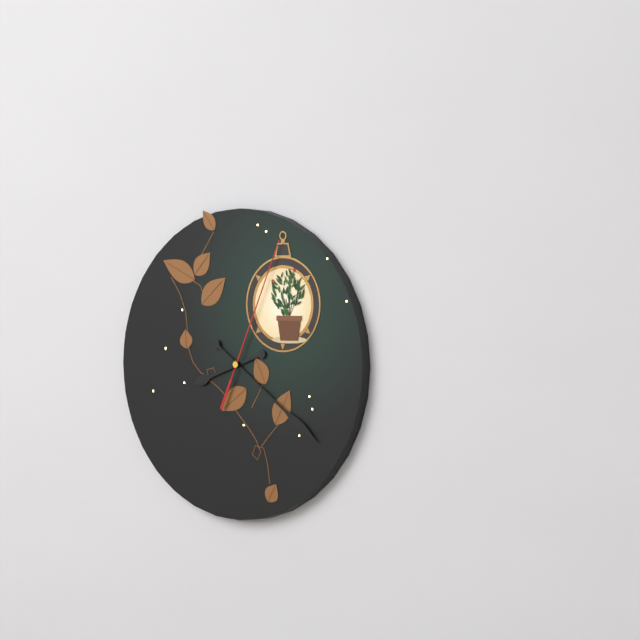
8.21.04
